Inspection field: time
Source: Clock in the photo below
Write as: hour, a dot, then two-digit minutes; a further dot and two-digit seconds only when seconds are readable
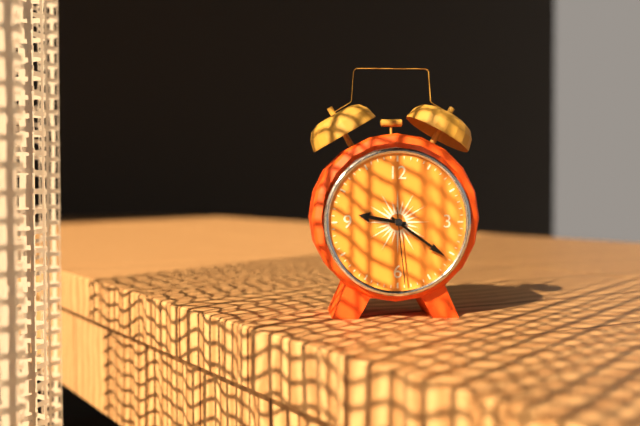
9.21.29
